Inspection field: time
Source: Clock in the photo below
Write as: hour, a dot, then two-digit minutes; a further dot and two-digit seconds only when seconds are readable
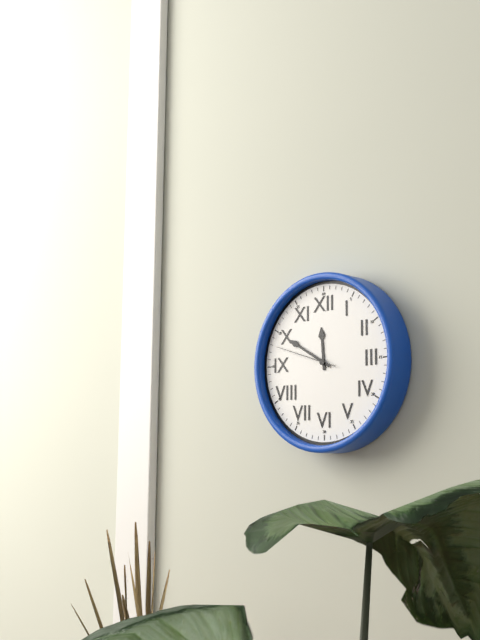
11.50.48
